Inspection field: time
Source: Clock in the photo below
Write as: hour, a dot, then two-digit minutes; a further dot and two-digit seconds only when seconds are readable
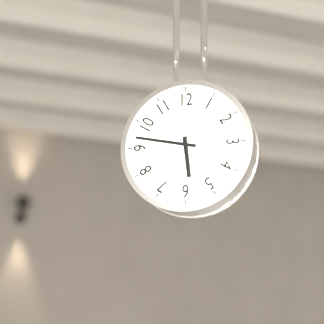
5.47
